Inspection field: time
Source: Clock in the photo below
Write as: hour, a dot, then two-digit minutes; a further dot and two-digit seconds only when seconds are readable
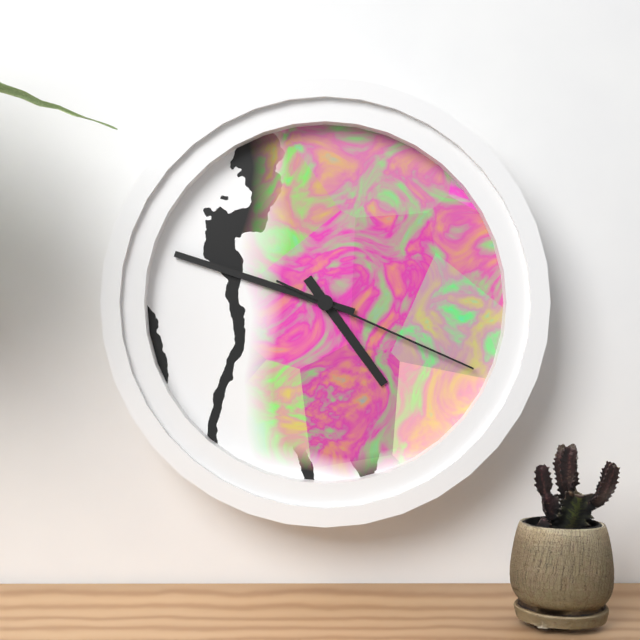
4.48.19
